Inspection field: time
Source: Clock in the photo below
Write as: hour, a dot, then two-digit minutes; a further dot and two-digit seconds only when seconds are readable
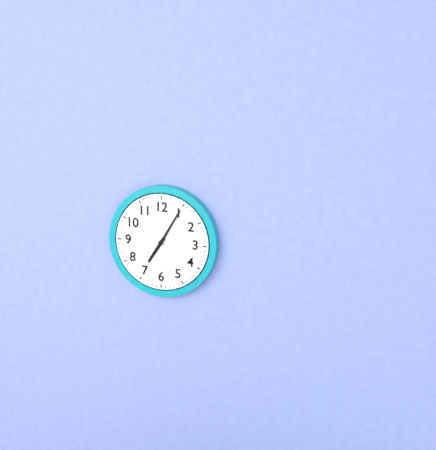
7.05
